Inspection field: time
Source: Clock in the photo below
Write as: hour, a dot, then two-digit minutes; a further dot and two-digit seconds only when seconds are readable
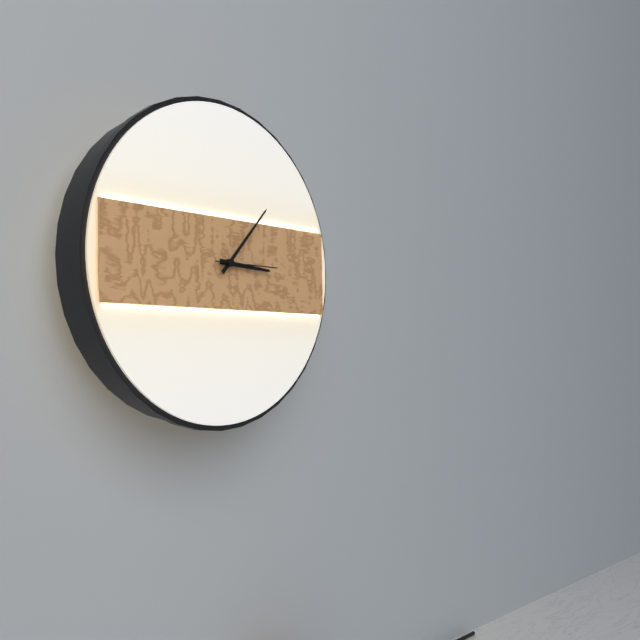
3.07.15
